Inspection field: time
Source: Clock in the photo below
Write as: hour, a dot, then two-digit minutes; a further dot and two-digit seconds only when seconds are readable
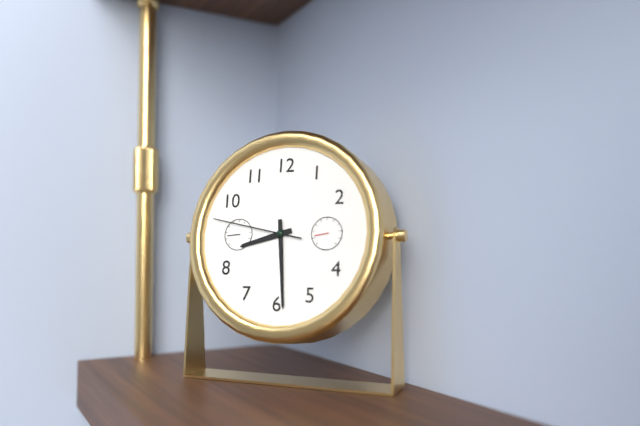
8.29.47
